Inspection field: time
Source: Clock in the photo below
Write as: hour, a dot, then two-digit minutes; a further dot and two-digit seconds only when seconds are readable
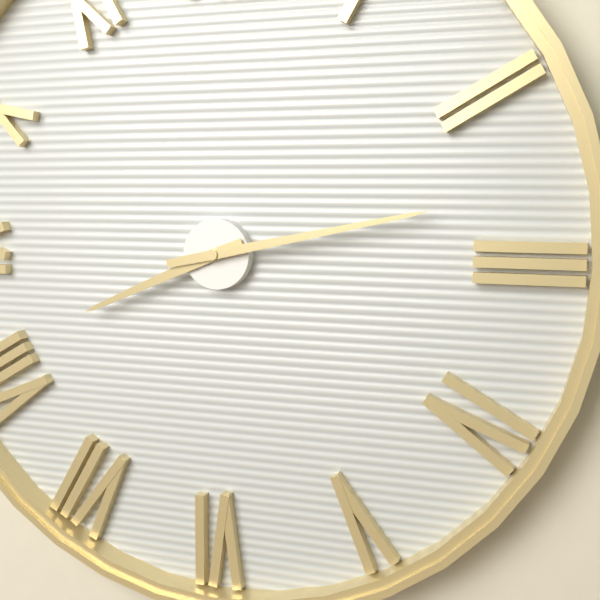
8.13
